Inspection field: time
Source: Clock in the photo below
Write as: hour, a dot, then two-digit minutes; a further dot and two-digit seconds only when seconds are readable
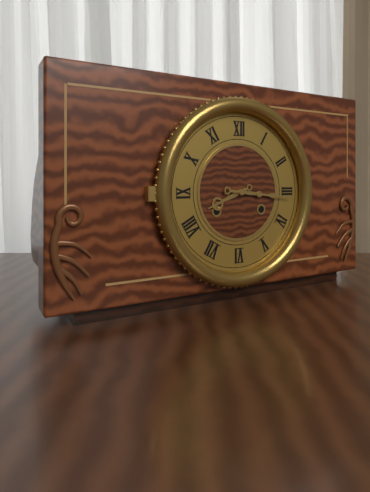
8.16
